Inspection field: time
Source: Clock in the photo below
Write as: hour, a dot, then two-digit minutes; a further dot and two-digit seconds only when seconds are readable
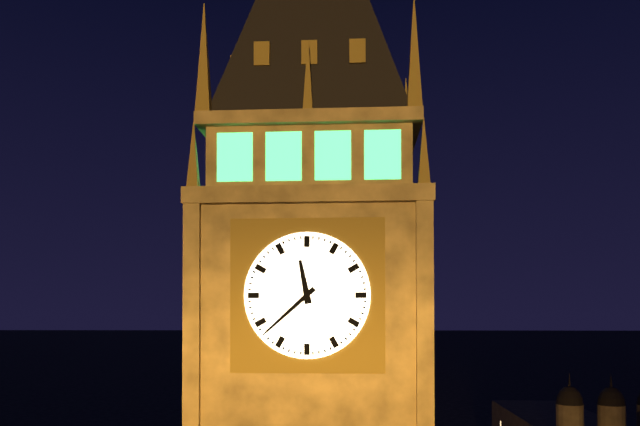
11.38
